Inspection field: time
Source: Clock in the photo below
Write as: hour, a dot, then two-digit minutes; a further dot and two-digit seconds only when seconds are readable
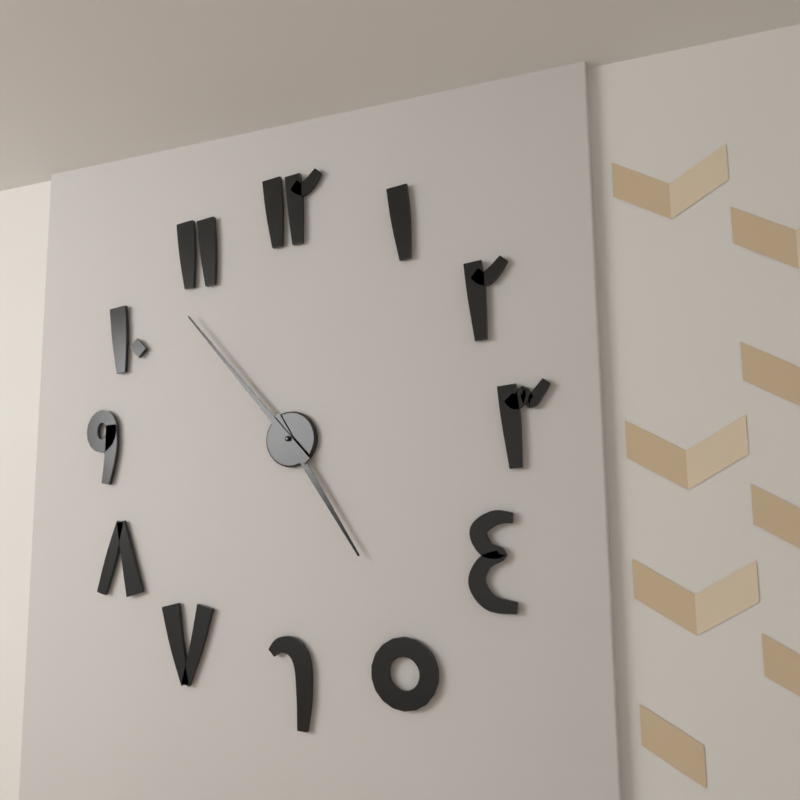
4.53
